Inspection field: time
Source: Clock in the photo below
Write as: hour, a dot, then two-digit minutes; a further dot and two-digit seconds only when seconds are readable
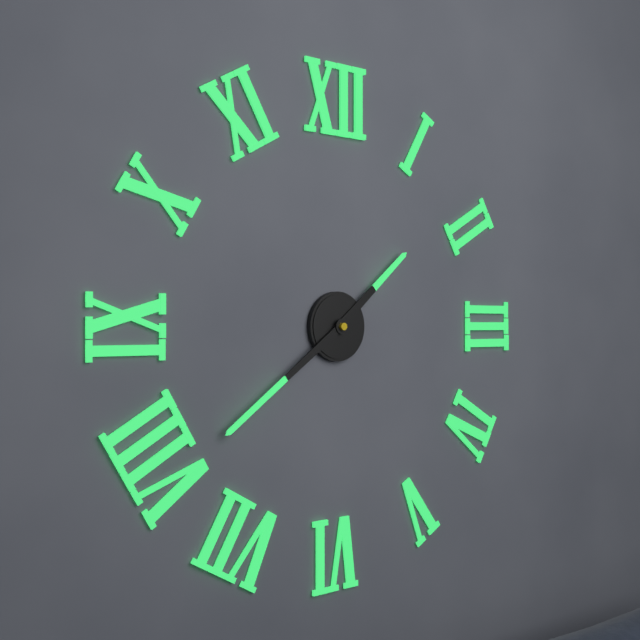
1.39
